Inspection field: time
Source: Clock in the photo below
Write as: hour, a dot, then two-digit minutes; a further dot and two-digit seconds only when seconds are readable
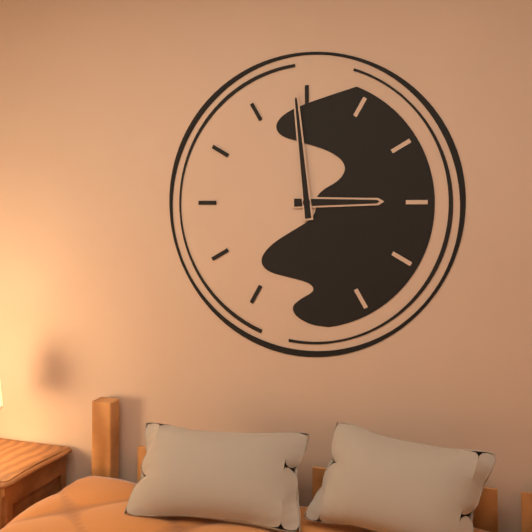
2.59
